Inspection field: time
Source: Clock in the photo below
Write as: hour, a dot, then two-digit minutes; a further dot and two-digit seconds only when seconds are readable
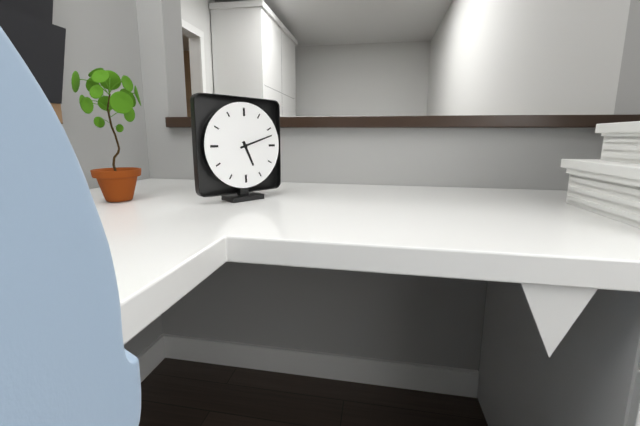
5.12
